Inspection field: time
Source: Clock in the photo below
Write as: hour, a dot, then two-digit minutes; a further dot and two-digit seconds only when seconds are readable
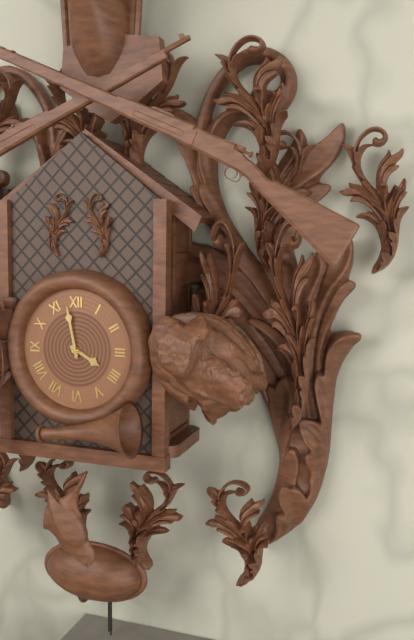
3.58
